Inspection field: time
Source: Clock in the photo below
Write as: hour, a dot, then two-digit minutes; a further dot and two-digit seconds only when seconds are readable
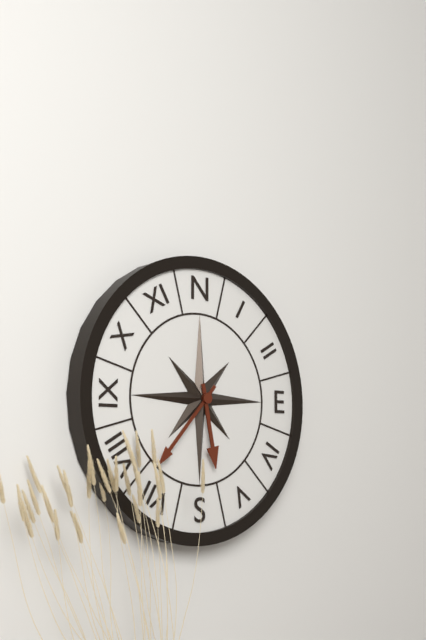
5.37
